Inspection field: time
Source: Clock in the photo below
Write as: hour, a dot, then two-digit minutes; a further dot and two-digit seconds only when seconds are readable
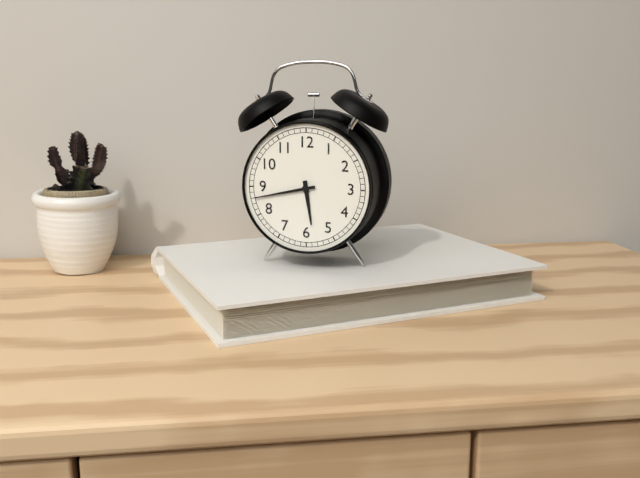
5.43
